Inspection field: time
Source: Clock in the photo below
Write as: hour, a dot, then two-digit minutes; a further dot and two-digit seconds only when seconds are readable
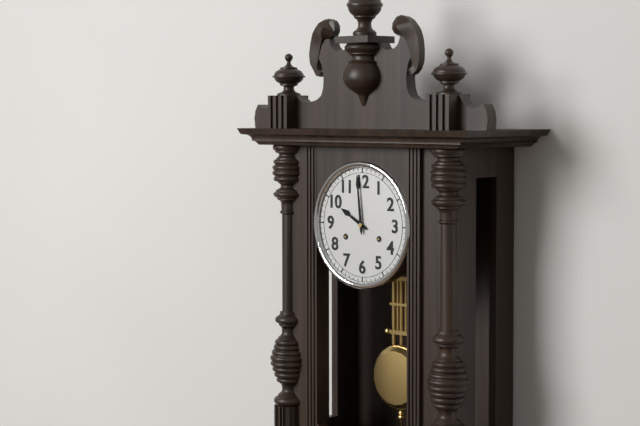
9.59
